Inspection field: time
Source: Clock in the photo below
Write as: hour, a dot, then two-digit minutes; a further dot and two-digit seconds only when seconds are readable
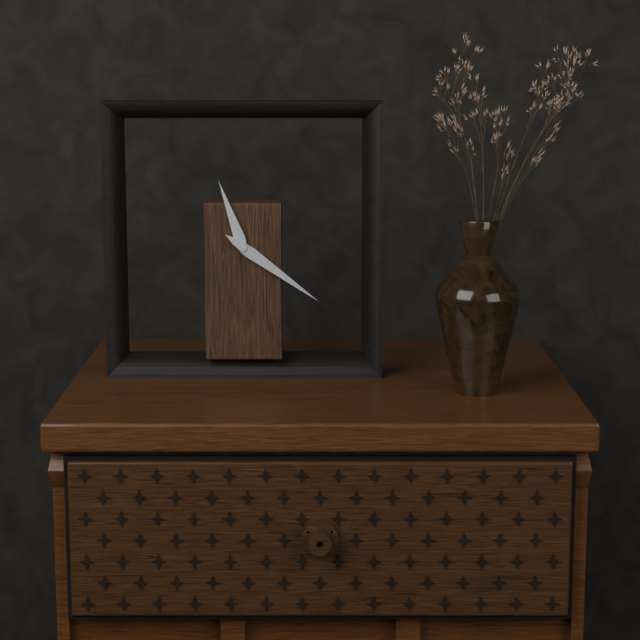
11.21
